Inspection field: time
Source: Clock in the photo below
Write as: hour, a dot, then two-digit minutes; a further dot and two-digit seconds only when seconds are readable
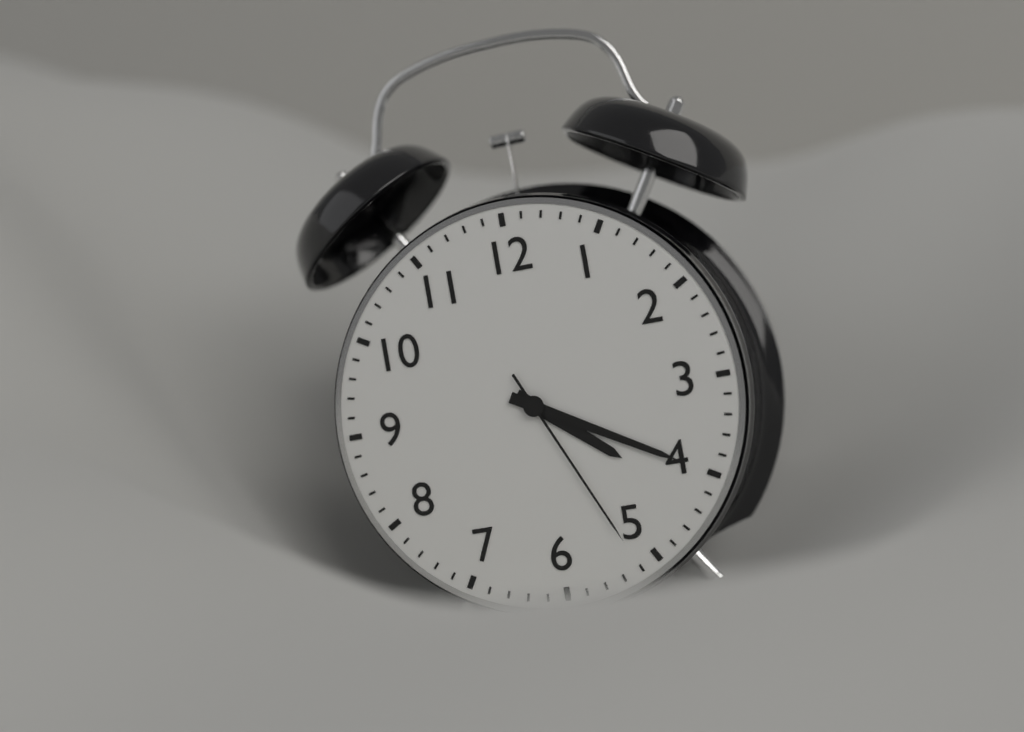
4.20.26
